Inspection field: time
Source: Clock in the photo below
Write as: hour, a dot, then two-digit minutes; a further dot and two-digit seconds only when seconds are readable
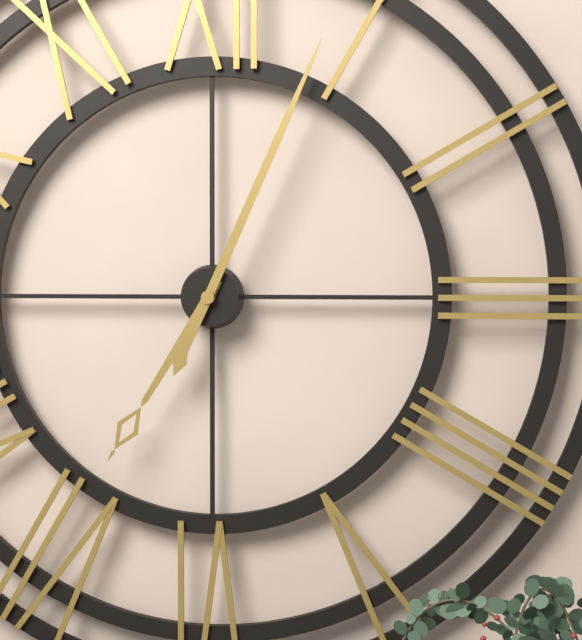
7.04
